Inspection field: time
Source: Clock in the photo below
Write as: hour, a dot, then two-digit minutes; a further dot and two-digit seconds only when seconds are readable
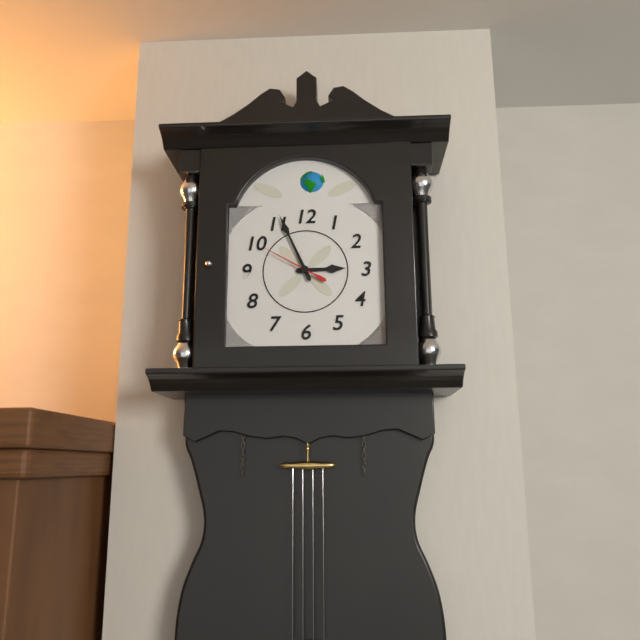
2.56.50
